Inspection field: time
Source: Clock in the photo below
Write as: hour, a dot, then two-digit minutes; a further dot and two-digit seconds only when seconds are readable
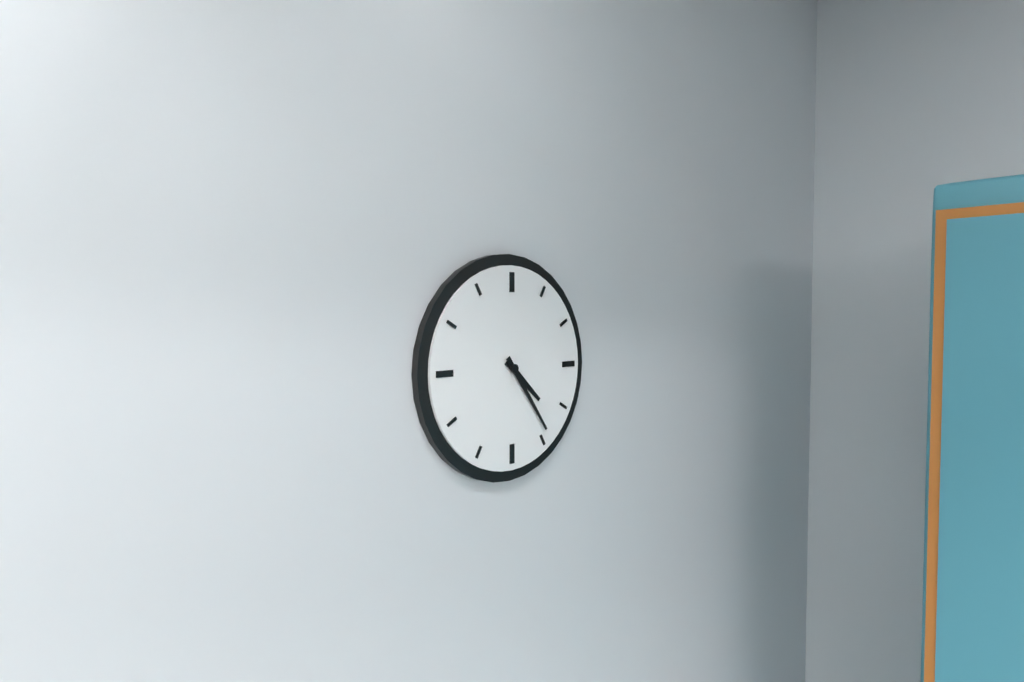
4.24
